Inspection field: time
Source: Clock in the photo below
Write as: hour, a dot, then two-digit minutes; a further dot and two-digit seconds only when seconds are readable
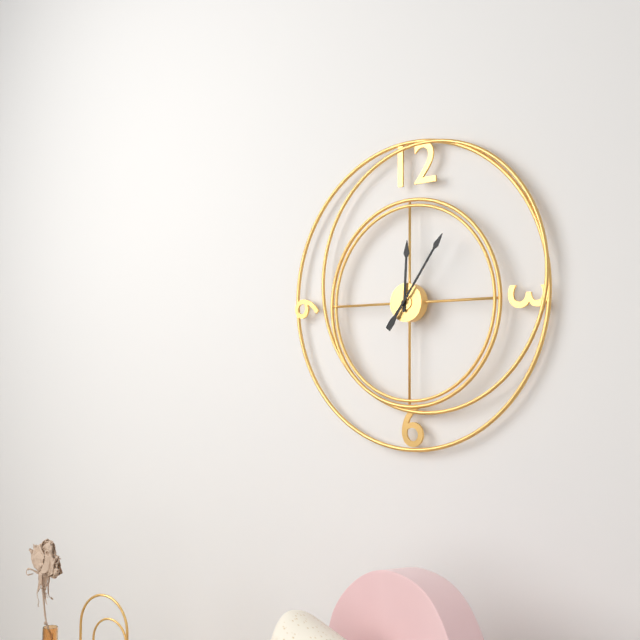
12.06
